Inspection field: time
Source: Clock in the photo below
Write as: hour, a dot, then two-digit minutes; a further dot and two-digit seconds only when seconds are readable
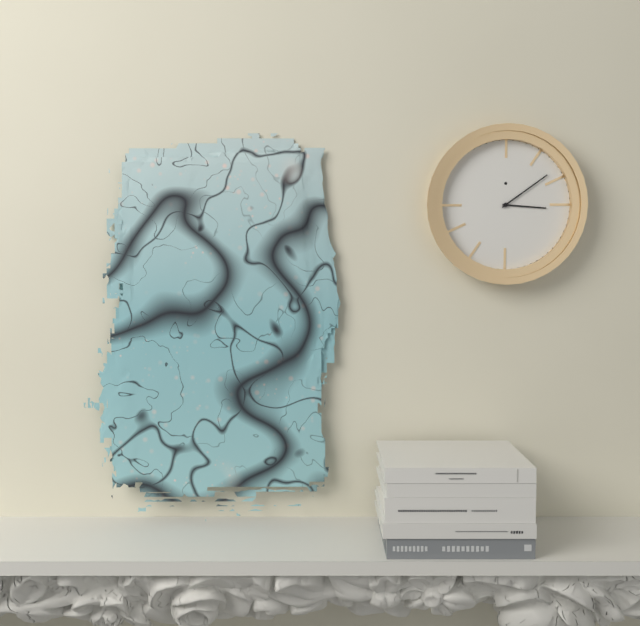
3.09
